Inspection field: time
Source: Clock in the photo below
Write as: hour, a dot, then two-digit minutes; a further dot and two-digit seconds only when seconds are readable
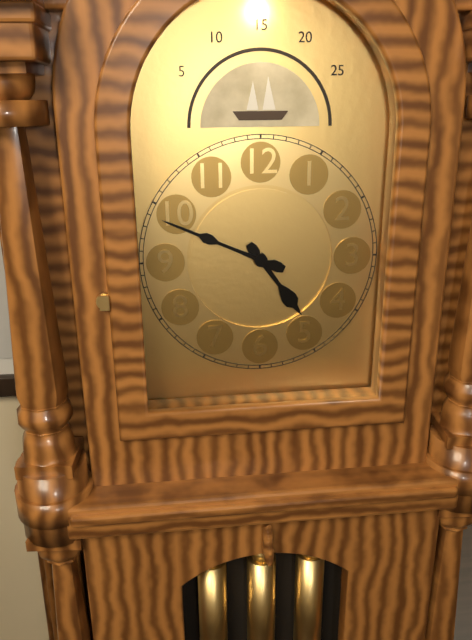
4.49
